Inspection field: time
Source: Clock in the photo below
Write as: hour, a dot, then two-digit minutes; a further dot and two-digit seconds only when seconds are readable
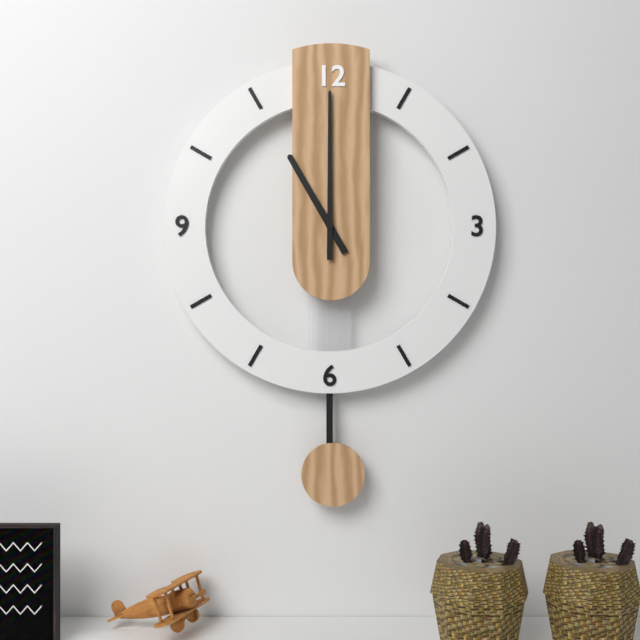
11.00
